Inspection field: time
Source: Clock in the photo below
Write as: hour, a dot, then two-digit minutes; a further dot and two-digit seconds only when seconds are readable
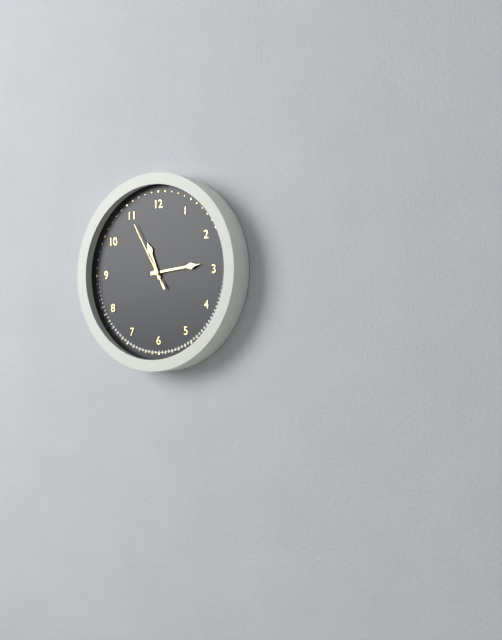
11.14.55
